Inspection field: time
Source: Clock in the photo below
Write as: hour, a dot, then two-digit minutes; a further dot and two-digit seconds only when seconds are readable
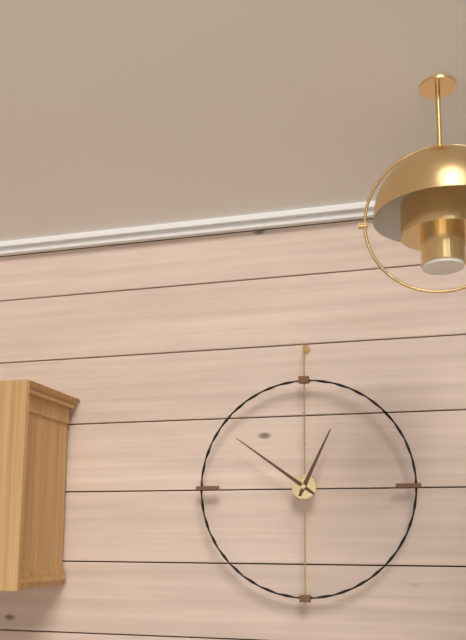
12.51
